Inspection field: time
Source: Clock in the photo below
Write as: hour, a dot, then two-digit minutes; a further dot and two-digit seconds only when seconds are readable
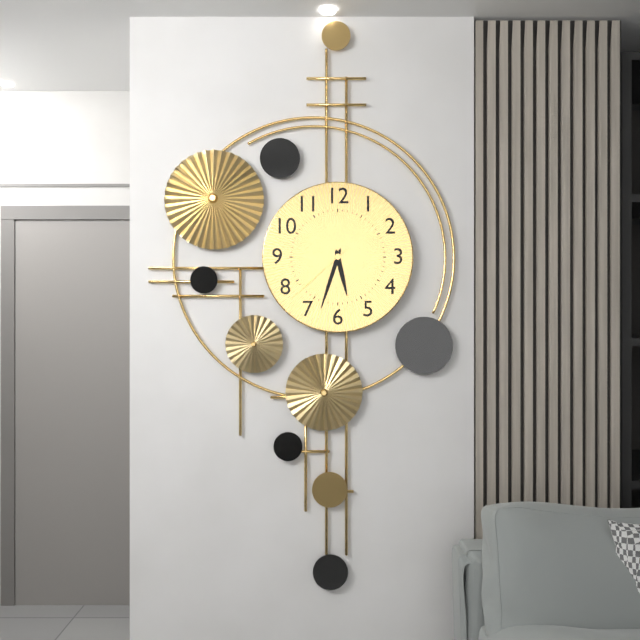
5.33.38
